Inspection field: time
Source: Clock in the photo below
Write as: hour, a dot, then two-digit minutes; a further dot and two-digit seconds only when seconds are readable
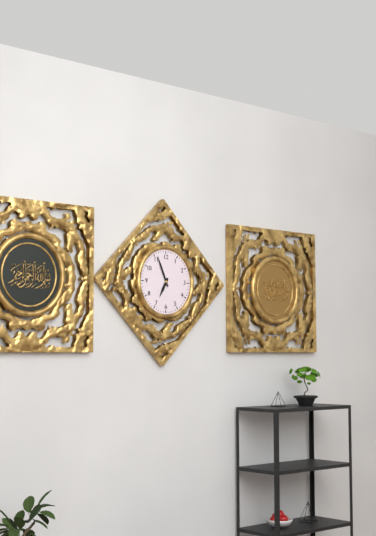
6.56
